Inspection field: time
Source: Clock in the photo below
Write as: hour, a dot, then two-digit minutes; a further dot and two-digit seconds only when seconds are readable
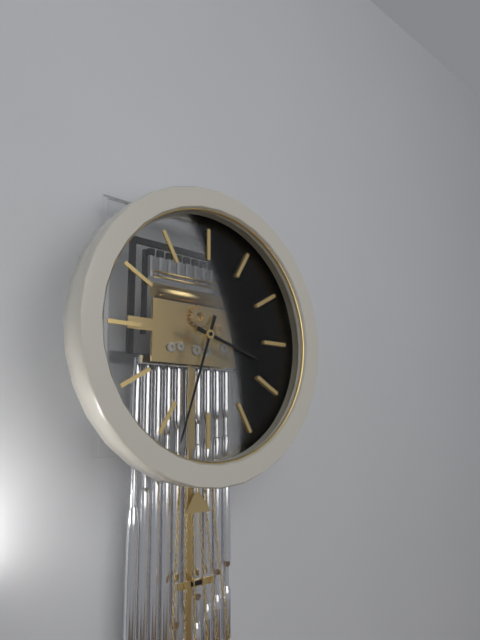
3.33
